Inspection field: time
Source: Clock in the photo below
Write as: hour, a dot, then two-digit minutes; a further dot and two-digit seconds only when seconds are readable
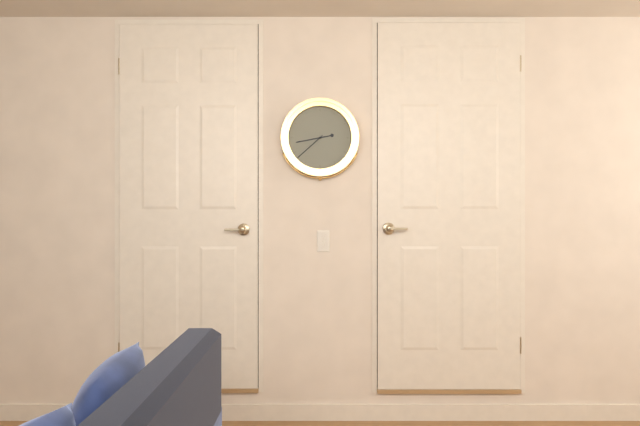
8.38
